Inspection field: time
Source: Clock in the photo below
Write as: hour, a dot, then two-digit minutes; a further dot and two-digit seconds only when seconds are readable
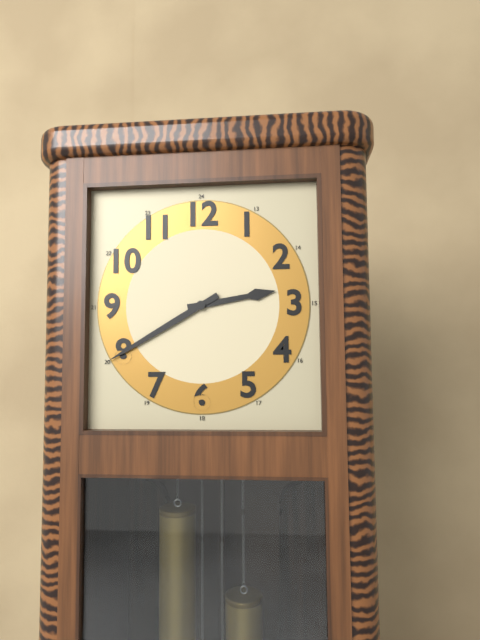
2.40
